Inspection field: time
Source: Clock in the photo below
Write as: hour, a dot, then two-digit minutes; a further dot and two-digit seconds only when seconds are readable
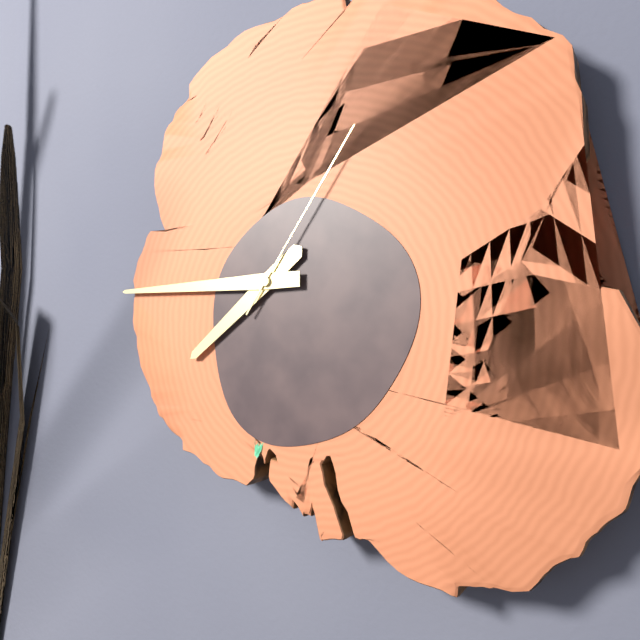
7.45.06
